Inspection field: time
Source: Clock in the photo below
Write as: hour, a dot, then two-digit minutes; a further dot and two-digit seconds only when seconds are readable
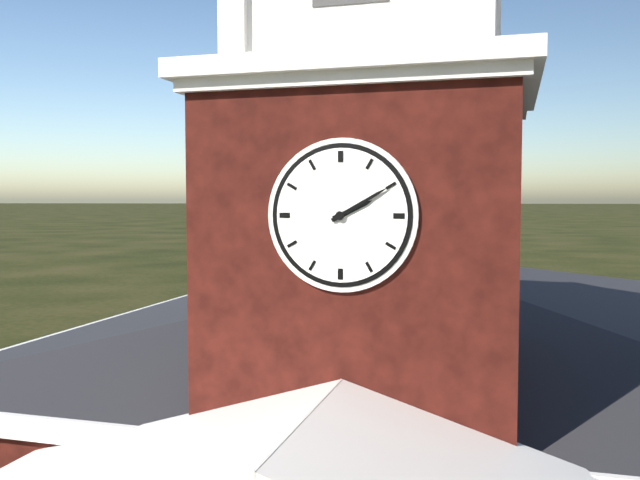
2.10
